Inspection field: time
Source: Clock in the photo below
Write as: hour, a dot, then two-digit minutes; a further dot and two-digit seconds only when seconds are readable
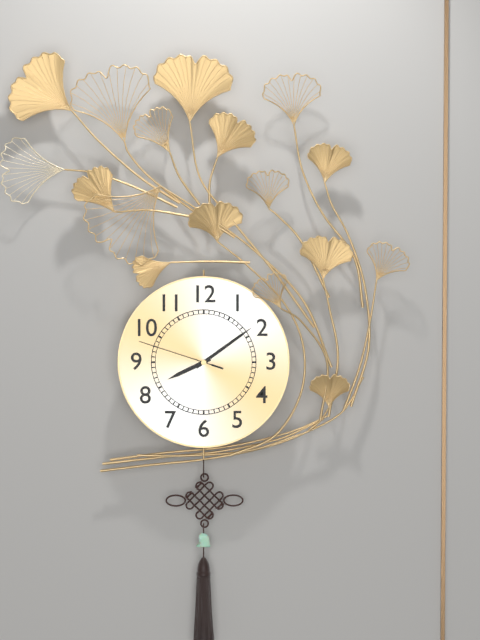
8.09.48
